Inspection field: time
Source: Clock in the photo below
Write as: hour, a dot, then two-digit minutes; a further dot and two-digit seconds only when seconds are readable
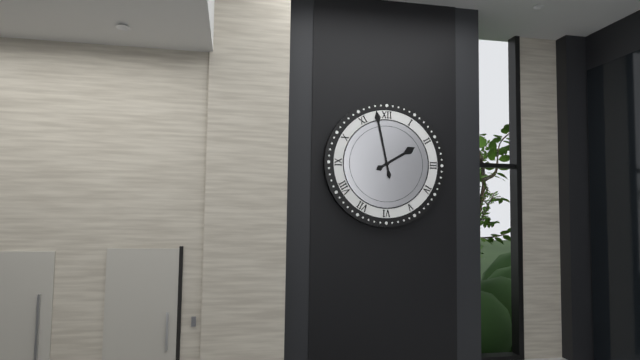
1.58
